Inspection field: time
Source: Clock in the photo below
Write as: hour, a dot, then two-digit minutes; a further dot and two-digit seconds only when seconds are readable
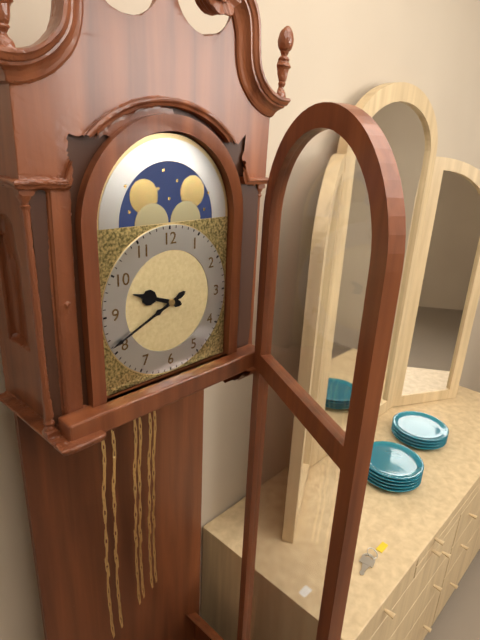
9.41
